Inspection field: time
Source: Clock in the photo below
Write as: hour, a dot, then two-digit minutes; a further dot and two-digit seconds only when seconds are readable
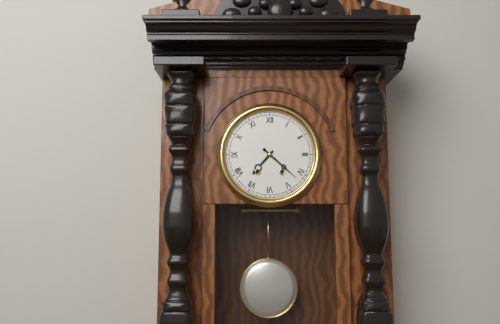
7.22
